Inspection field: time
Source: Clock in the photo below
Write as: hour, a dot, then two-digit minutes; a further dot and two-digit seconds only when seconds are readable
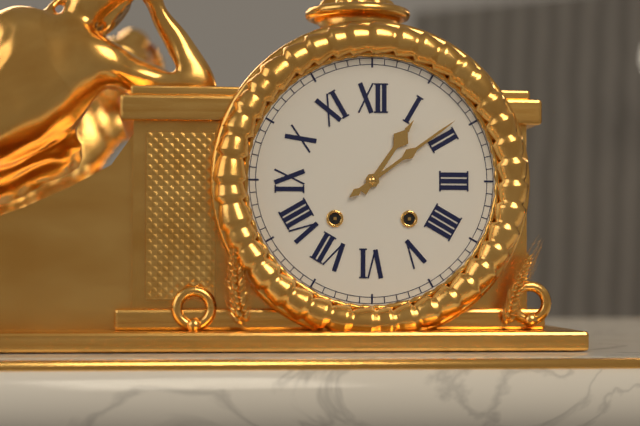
1.09
